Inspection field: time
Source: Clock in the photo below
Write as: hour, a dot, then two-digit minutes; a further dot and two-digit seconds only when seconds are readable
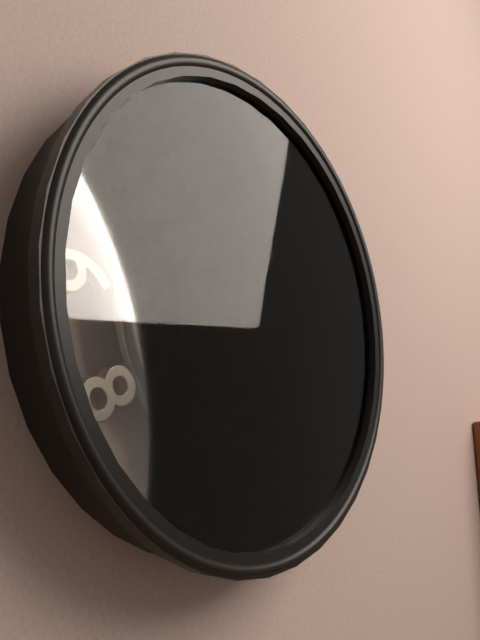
3.16.08
